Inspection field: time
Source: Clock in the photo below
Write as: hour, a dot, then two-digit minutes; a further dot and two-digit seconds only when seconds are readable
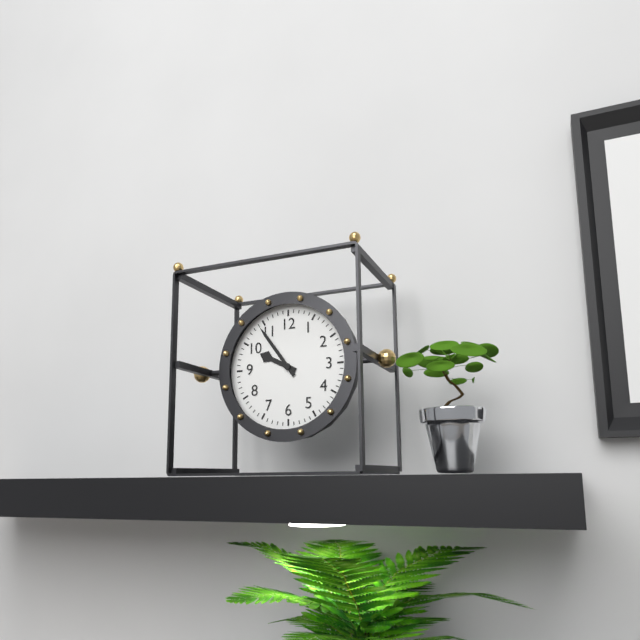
9.54
